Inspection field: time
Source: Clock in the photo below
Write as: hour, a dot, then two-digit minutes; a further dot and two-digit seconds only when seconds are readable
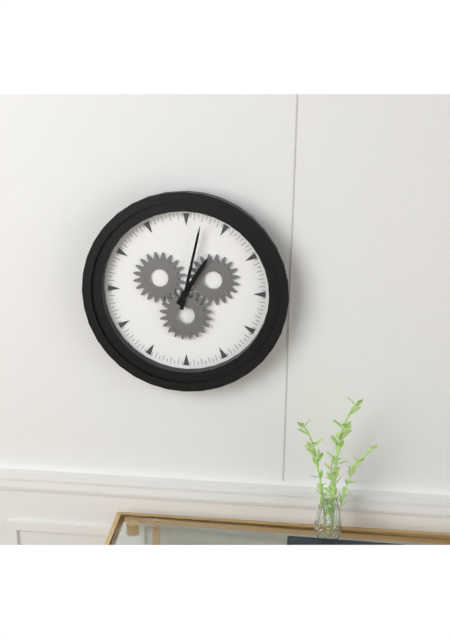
1.02
